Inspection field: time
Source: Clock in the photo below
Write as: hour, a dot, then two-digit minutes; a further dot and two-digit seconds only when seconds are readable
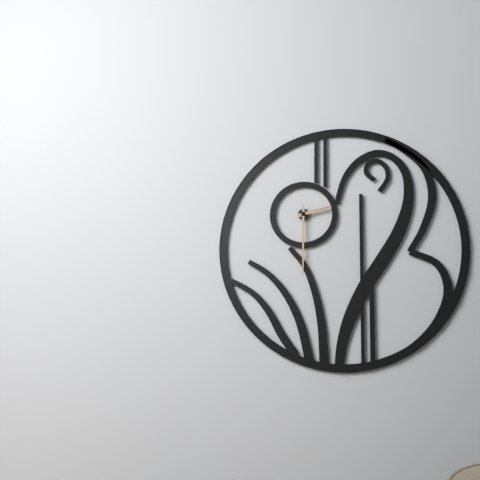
2.30
